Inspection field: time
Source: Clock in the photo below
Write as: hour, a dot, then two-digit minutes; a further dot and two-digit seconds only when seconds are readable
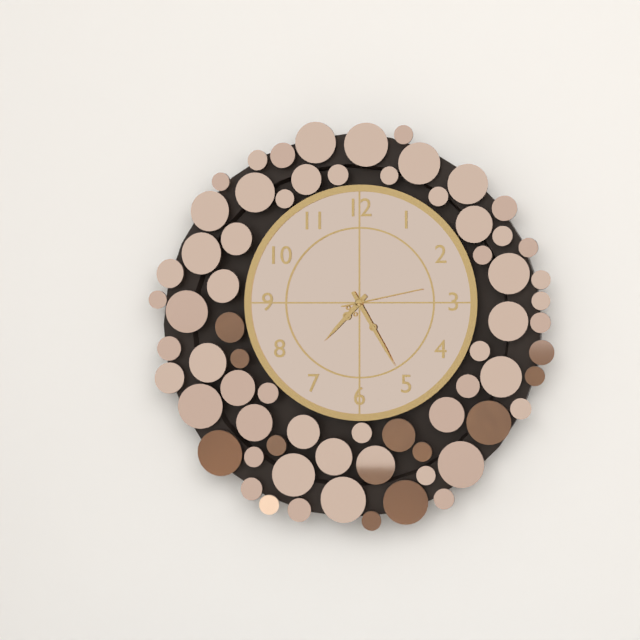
7.25.13
